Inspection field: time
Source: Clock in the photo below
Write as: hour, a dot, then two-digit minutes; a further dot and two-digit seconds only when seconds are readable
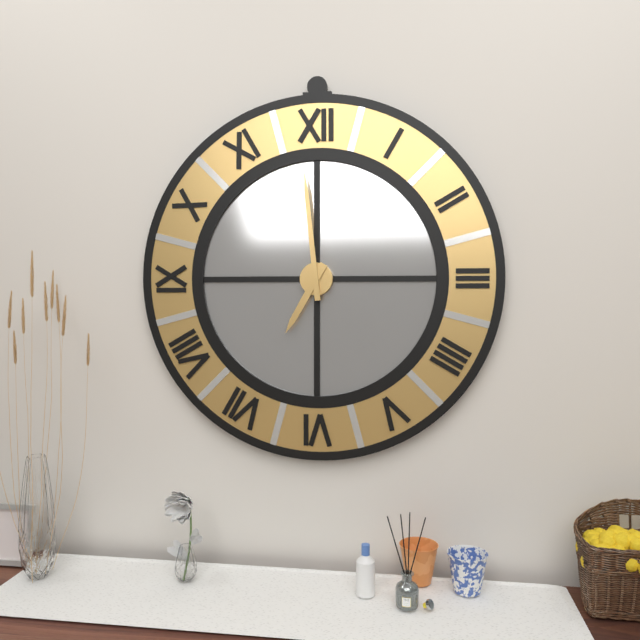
6.59
